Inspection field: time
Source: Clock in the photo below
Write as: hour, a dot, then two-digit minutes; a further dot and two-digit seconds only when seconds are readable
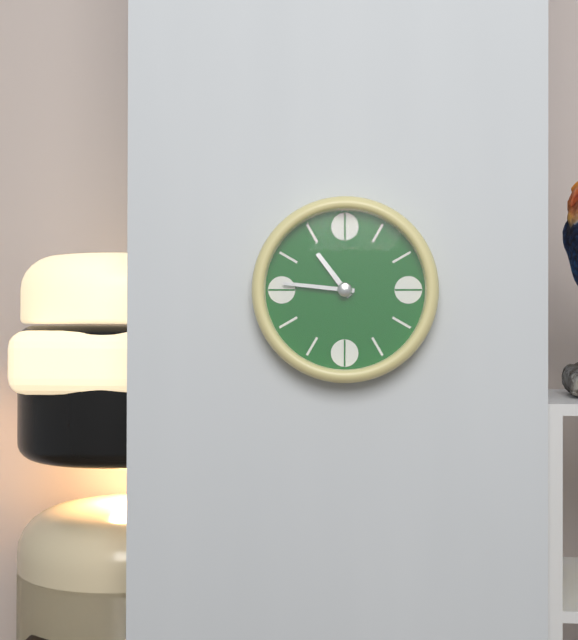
10.46
